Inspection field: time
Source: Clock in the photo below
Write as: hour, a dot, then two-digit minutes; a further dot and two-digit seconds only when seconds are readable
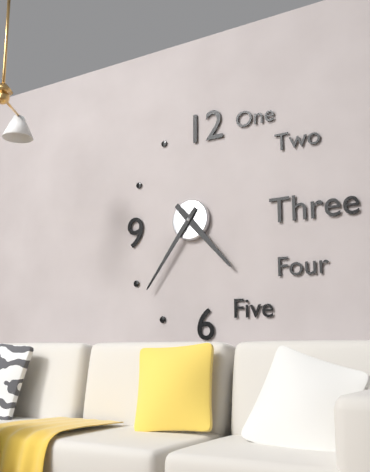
4.36
